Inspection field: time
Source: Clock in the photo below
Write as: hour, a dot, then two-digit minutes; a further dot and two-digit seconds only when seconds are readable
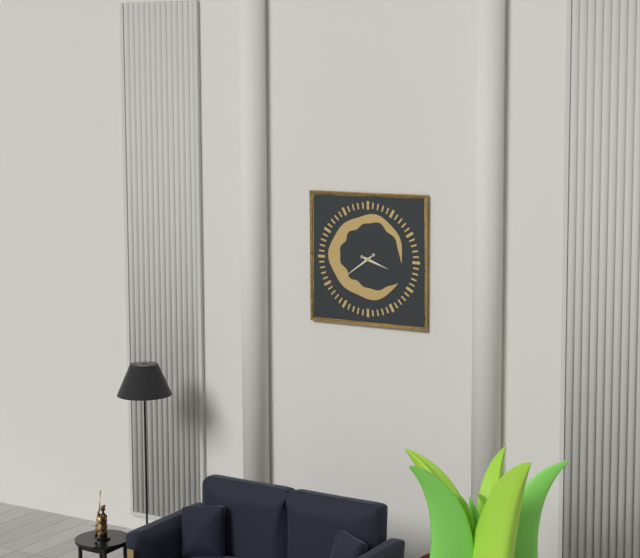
3.39
